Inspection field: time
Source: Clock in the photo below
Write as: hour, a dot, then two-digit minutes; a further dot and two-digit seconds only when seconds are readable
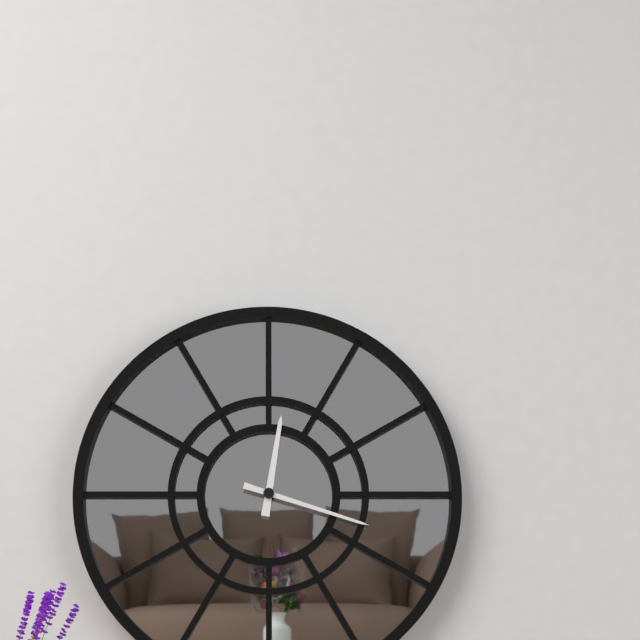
12.18
